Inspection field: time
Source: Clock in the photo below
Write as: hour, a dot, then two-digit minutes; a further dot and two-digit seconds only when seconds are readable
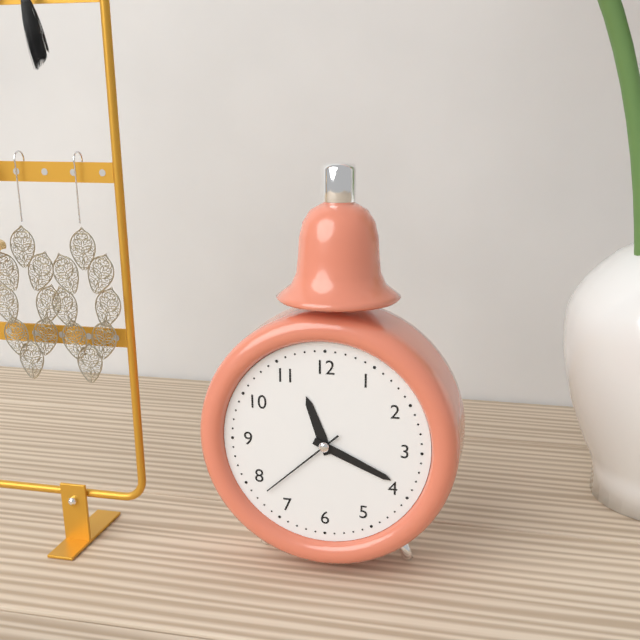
11.19.38
